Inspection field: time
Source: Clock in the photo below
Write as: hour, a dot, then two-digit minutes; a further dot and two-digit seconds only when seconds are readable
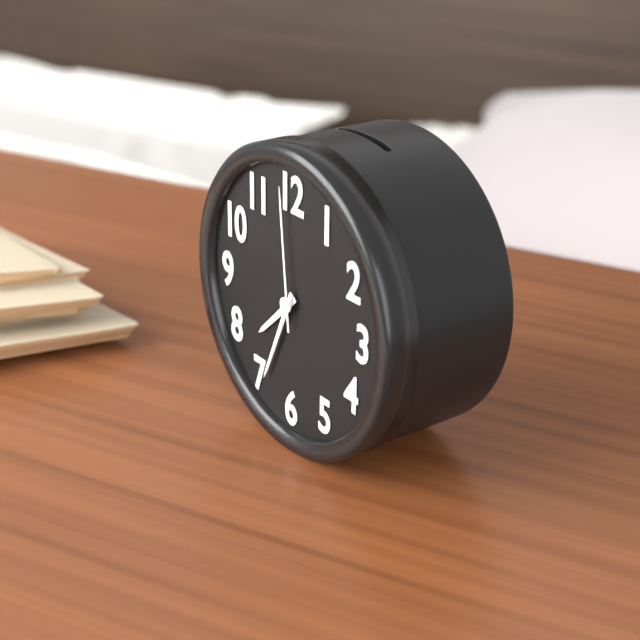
7.34.59
